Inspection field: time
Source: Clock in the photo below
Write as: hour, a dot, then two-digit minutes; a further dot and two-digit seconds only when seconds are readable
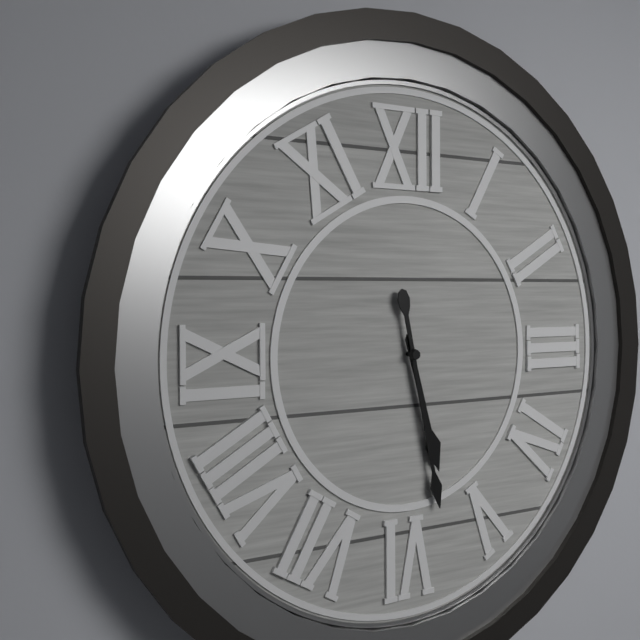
5.28
